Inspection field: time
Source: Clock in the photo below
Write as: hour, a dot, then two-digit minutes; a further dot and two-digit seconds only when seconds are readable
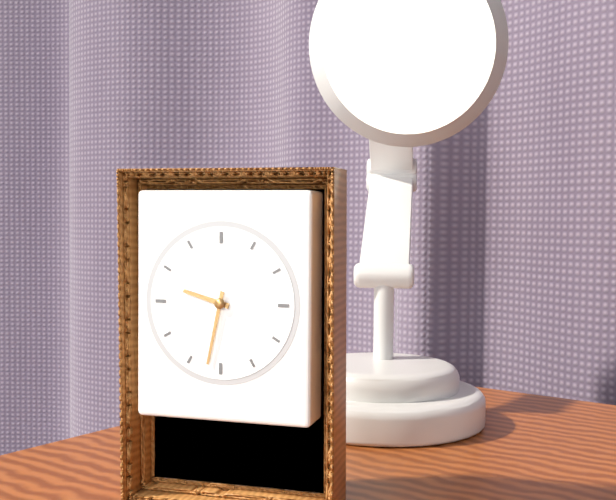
9.32
